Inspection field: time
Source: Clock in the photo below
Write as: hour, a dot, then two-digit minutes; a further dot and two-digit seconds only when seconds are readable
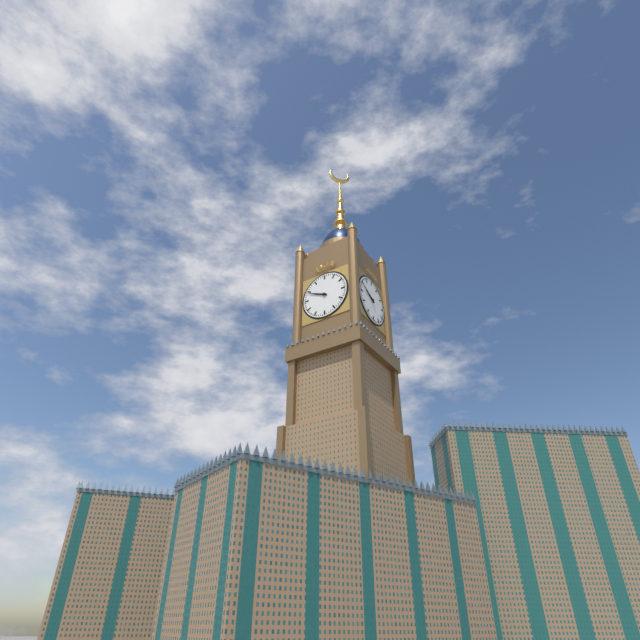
9.49
